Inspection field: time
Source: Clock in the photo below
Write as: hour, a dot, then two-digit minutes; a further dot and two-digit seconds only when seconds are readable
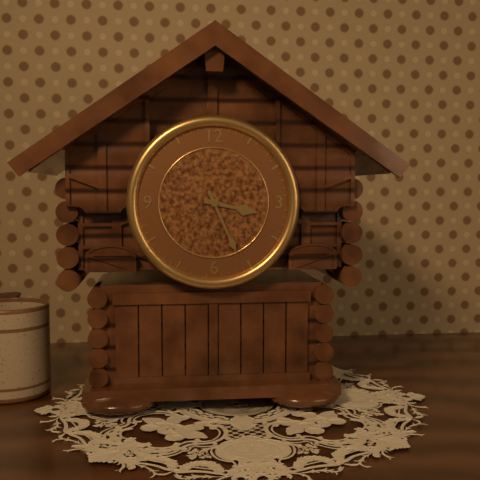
3.26
